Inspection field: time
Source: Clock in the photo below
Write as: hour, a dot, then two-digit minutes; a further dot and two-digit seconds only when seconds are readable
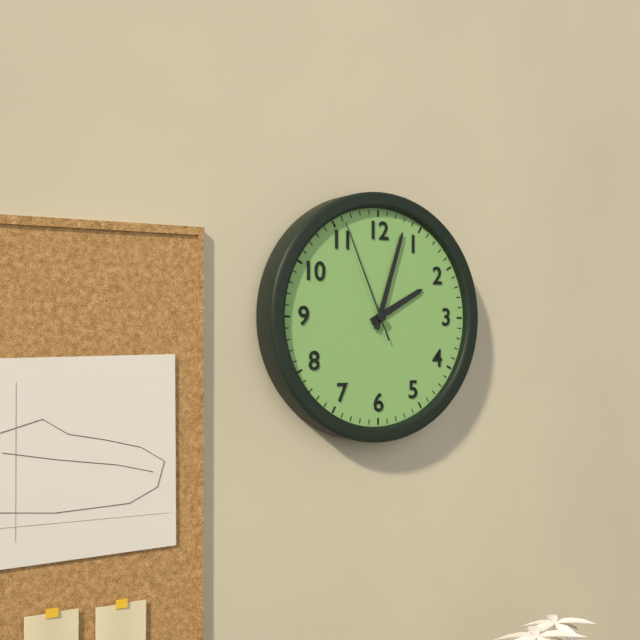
2.03.56
